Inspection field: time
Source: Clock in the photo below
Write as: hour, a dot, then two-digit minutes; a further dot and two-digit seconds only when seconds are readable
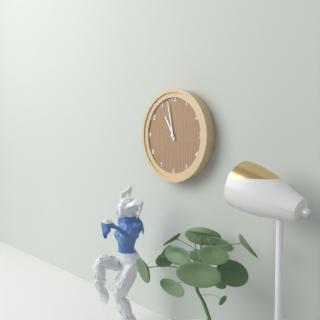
10.58
